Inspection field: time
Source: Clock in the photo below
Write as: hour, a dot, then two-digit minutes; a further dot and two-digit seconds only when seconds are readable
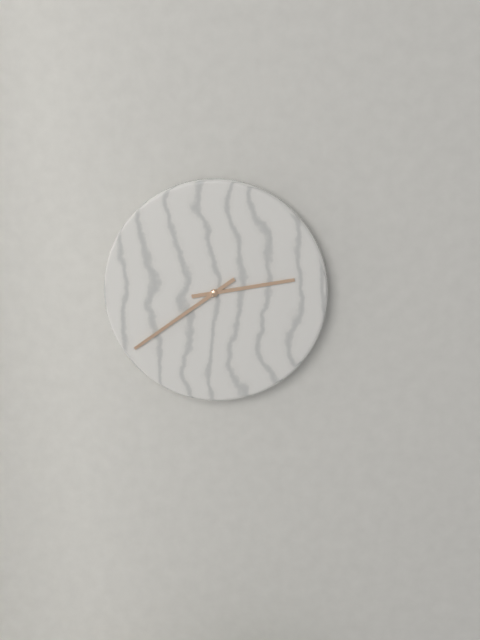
2.39
